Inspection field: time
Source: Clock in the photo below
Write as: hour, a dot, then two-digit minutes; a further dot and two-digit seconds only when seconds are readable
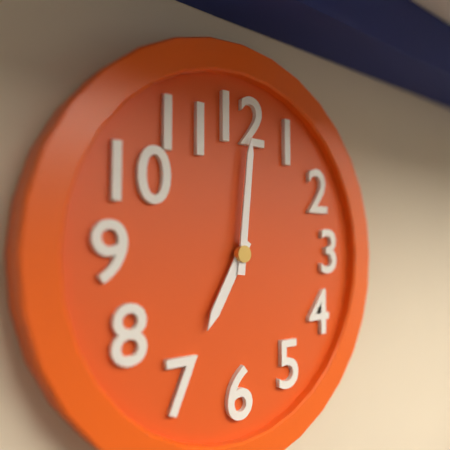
7.01
